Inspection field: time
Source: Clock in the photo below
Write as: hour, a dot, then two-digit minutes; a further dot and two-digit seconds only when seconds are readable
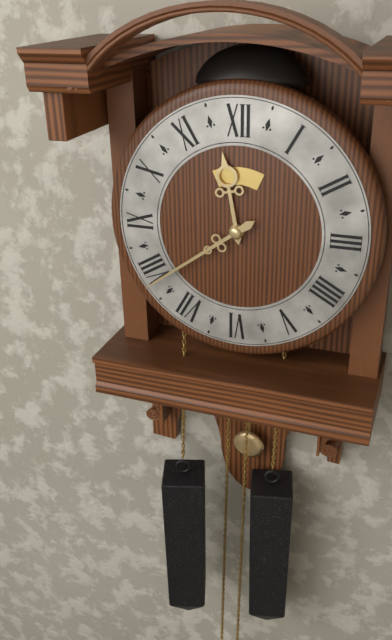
11.39
